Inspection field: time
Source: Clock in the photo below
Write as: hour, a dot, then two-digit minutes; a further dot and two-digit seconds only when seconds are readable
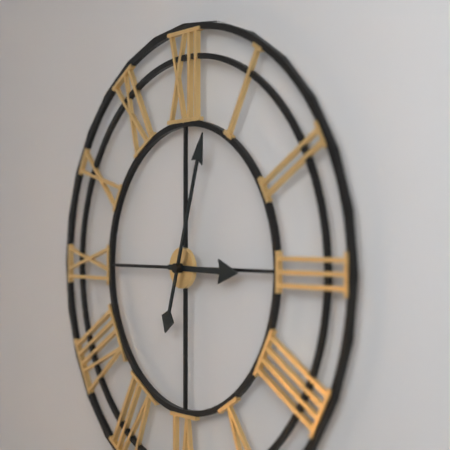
3.03
